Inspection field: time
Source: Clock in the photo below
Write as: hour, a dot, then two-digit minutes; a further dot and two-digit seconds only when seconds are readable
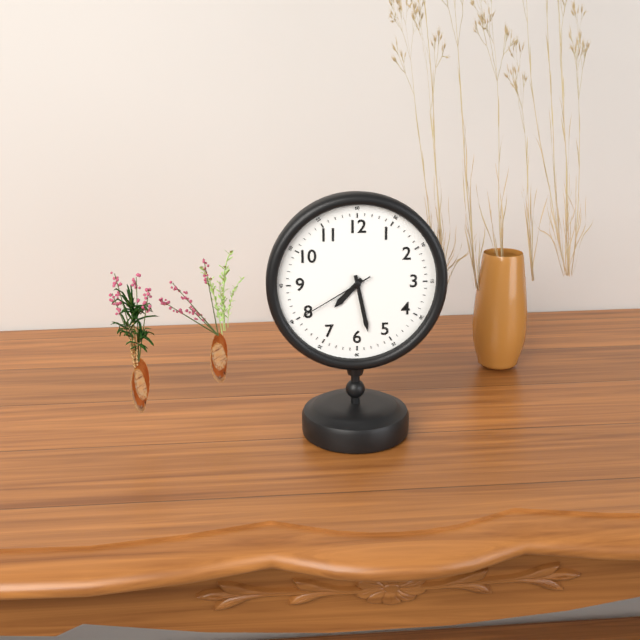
7.28.40
